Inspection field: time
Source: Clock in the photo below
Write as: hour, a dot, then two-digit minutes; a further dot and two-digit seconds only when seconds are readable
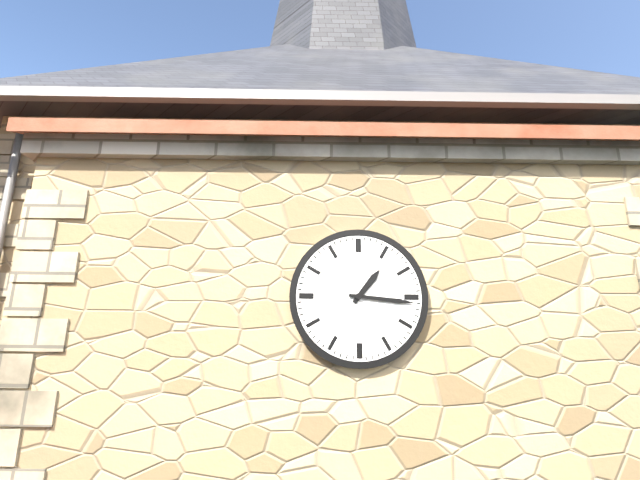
1.16
